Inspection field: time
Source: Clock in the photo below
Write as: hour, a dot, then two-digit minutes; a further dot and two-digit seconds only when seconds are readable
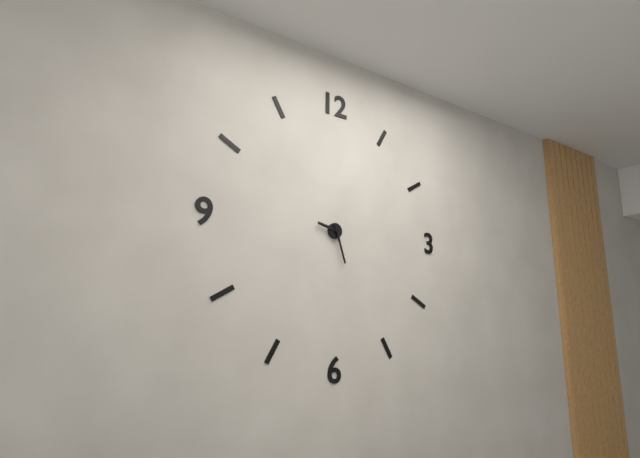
9.27
